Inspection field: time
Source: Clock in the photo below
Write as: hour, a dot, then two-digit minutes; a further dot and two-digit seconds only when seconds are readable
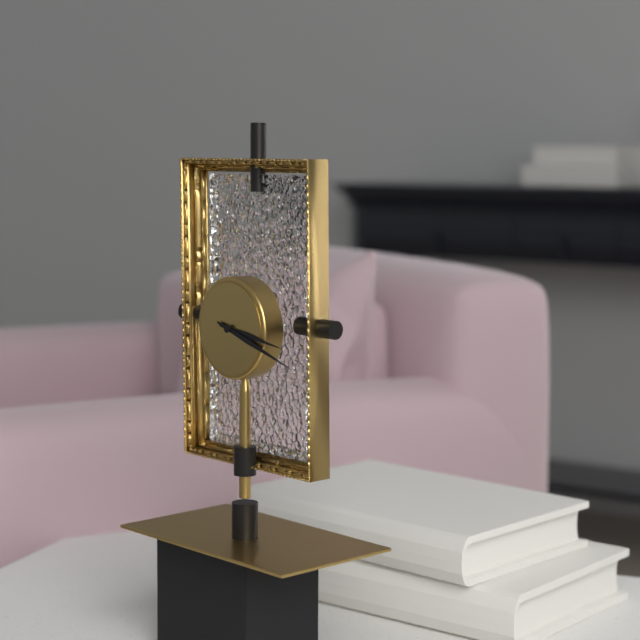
3.18
